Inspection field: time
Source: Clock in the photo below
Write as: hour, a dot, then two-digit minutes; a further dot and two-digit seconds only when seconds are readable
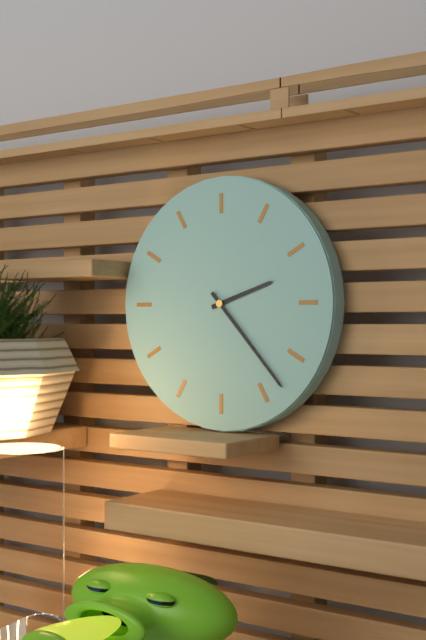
2.23
